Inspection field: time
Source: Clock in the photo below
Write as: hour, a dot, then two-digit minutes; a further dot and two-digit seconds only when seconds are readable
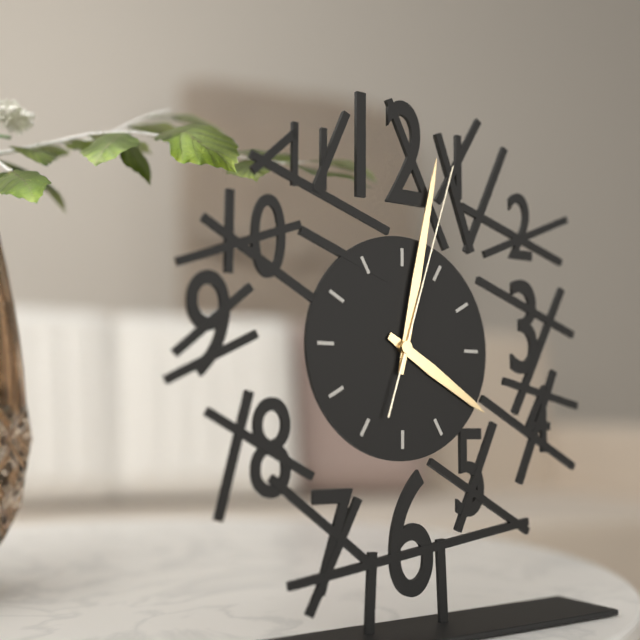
4.02.03
